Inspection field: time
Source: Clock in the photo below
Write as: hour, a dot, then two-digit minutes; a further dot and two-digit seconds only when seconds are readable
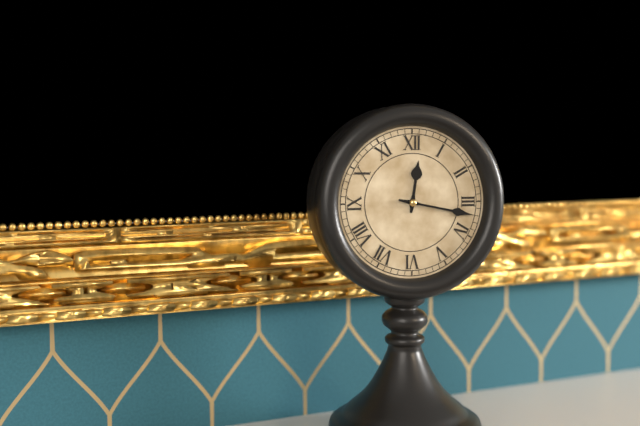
12.17
